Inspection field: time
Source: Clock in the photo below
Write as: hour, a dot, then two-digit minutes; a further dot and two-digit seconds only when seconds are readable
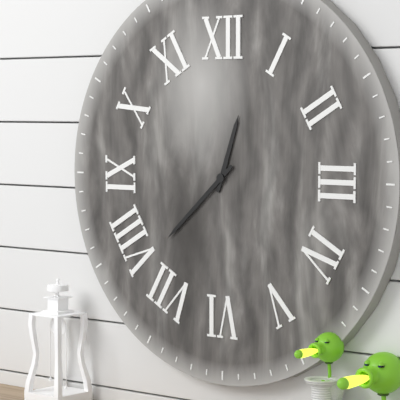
12.38
